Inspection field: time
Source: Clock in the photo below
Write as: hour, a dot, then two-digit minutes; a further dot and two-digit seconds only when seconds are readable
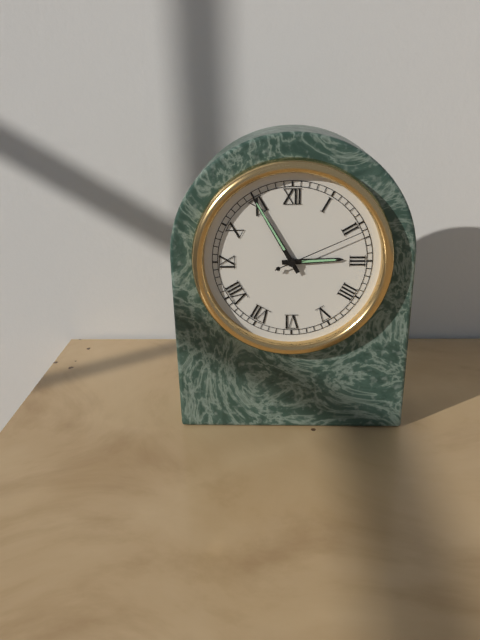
2.55.11
